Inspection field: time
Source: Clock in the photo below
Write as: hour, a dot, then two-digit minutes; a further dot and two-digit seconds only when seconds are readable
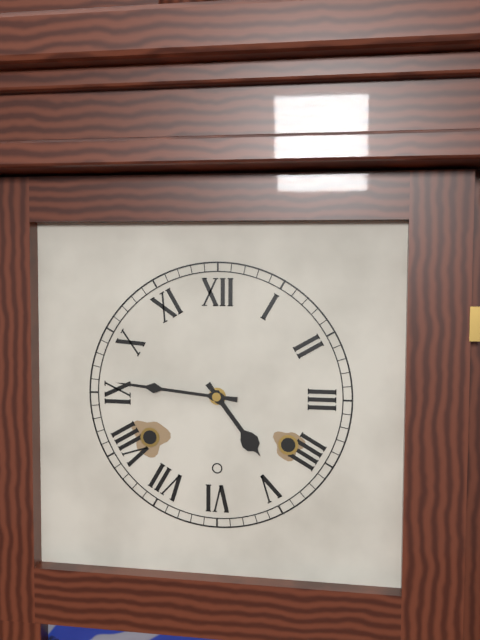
4.46
